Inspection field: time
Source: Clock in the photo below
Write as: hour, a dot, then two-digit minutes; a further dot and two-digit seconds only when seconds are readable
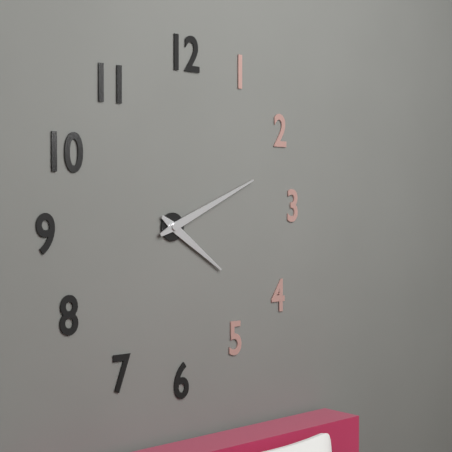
4.11
